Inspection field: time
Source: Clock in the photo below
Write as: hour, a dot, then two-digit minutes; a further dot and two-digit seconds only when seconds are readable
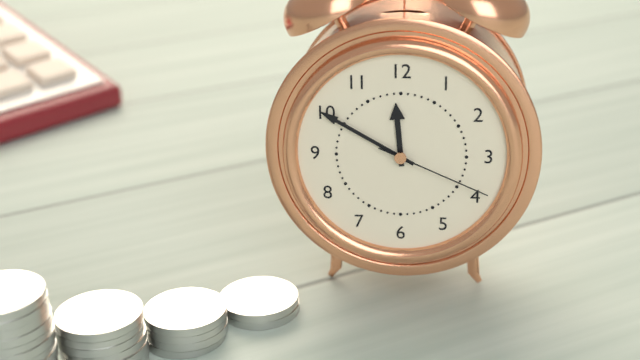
11.50.19
